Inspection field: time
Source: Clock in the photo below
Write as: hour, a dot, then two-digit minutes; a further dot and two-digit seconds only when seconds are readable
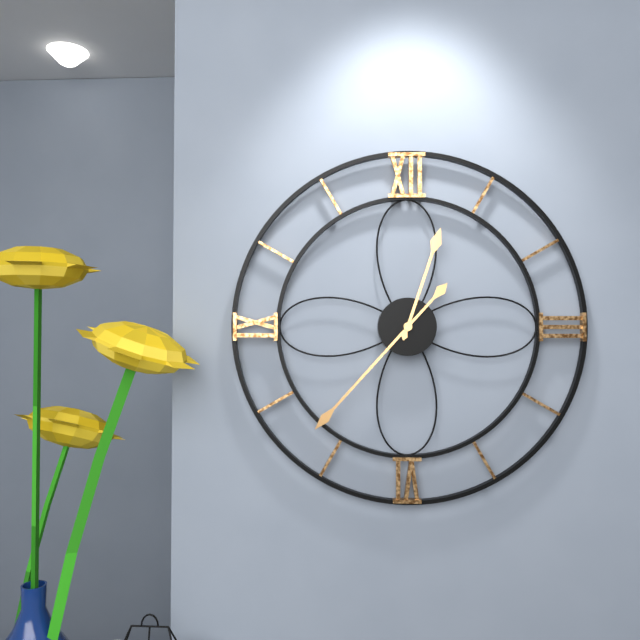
12.37
